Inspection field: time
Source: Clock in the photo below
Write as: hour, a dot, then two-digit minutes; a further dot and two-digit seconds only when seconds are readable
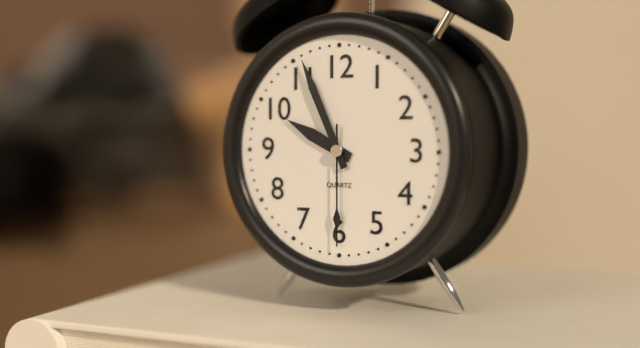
9.56.30
